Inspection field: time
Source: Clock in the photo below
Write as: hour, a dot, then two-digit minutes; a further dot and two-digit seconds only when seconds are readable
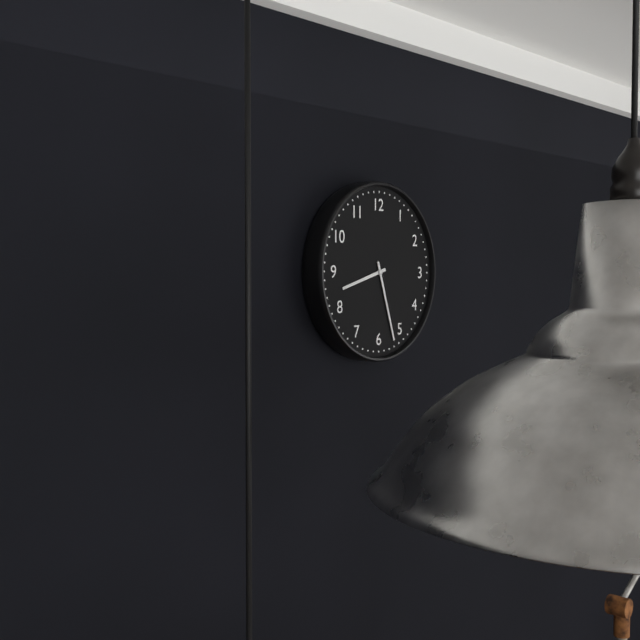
8.27
